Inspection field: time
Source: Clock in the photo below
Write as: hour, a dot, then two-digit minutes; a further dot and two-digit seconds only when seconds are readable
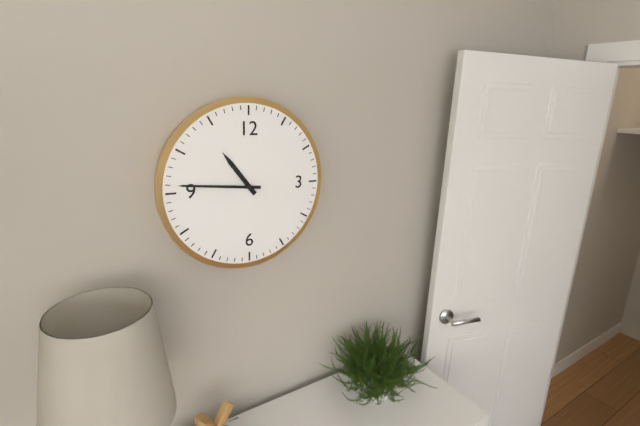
10.46
